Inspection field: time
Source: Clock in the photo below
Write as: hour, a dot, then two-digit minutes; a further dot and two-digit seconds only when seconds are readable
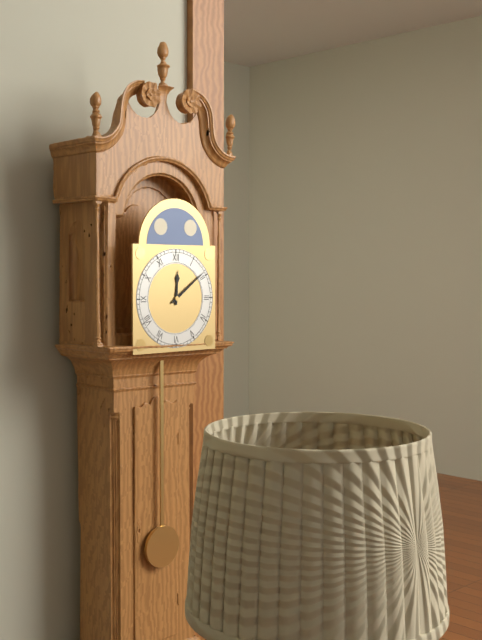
12.09
